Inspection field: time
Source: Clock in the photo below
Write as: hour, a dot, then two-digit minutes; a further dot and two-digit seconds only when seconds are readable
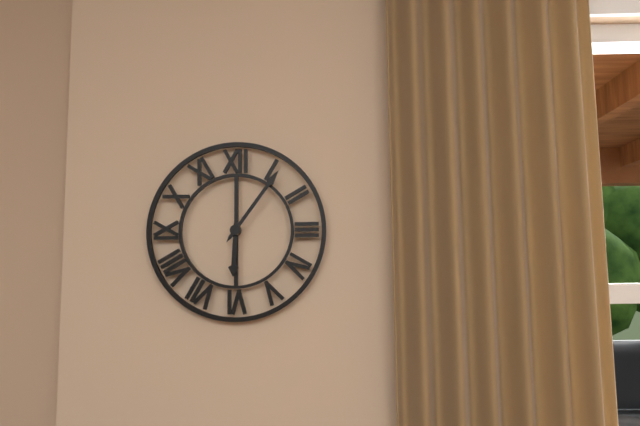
6.06
